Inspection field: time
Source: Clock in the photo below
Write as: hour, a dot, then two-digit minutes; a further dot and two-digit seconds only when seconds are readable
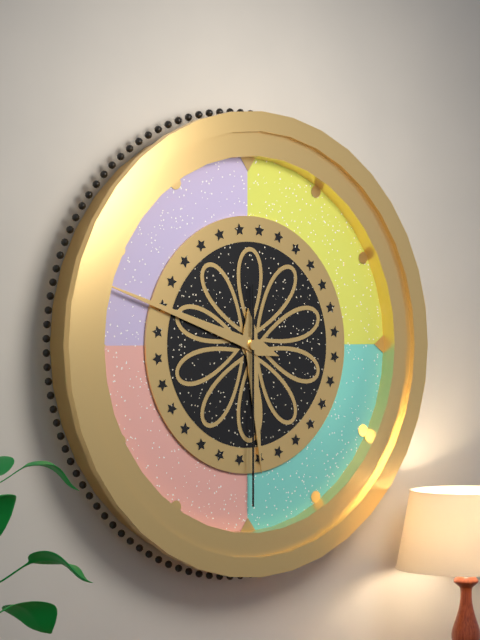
5.48.30
